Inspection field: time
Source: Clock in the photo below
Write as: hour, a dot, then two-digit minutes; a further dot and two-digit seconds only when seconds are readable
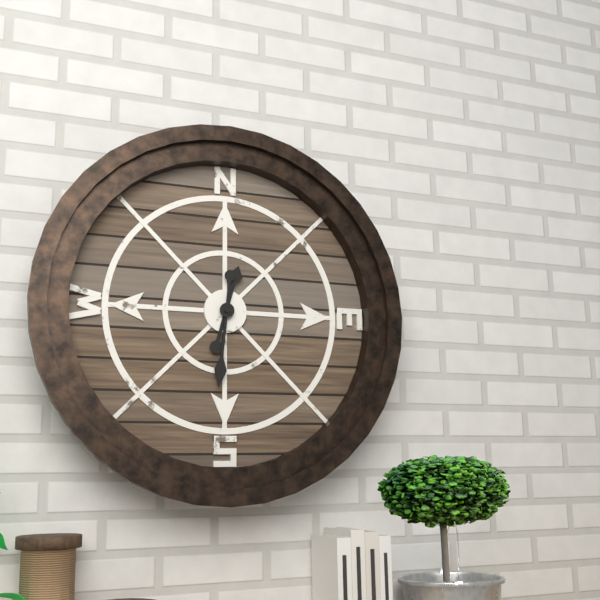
12.31
